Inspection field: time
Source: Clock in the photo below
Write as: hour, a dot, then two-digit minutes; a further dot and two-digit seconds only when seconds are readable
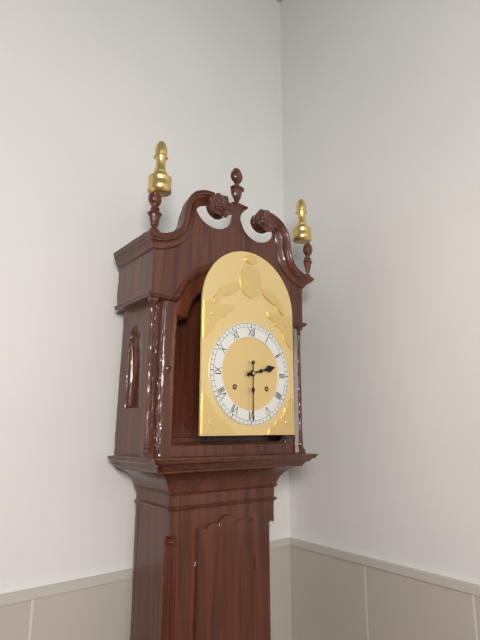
2.30
